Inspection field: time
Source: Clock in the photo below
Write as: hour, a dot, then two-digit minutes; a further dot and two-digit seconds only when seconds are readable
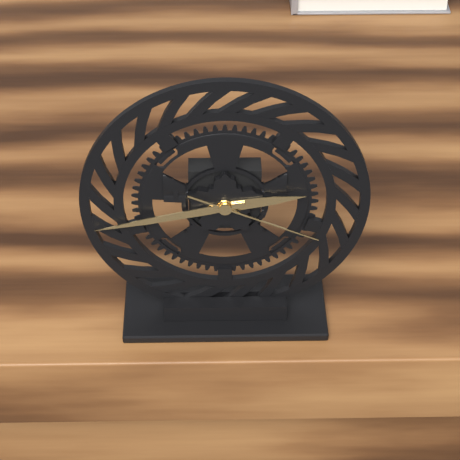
2.43.19
